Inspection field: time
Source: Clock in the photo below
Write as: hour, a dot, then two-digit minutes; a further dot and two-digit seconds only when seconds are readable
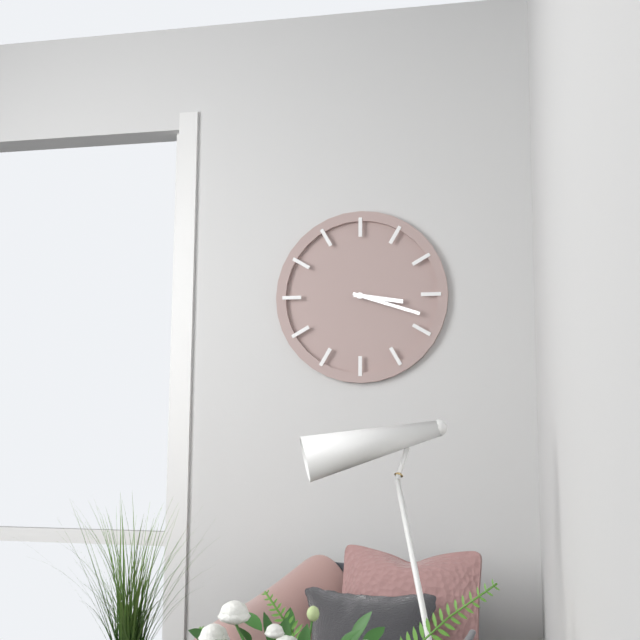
3.18
